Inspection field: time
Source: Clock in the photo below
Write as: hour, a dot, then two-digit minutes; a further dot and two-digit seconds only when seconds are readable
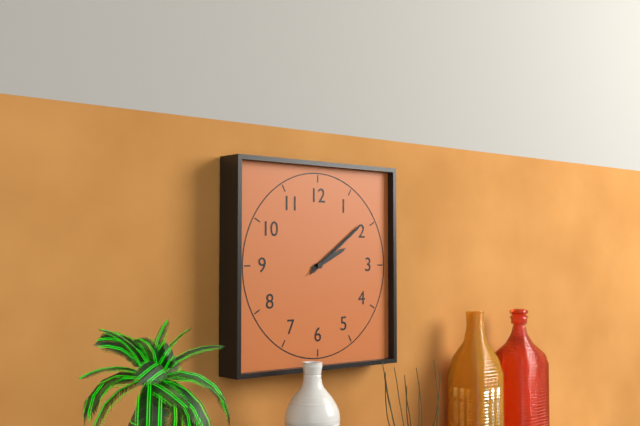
2.09.09
